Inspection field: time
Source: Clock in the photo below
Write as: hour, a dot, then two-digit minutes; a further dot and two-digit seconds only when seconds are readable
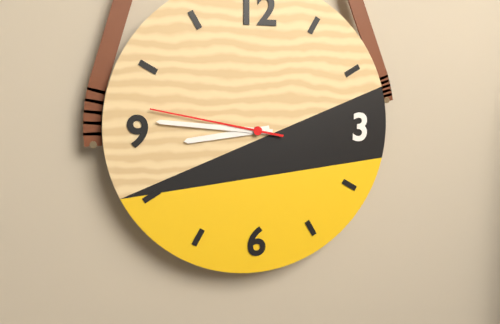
8.46.47
